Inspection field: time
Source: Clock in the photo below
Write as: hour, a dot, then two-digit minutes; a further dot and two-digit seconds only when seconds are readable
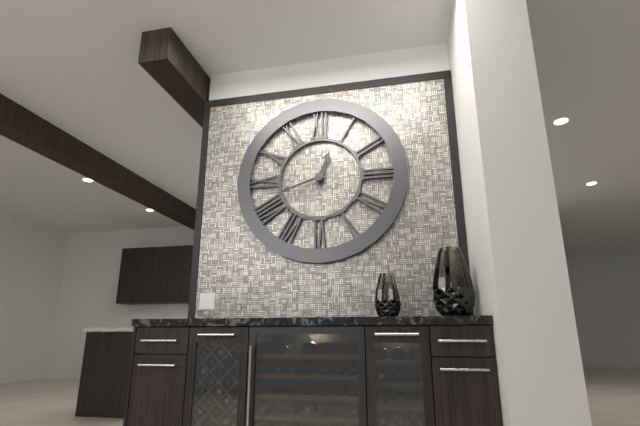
12.42
